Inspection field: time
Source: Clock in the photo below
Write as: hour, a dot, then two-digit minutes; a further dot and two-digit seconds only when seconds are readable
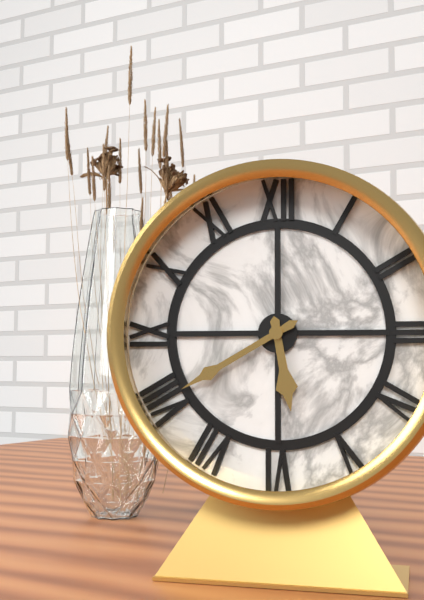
5.40
